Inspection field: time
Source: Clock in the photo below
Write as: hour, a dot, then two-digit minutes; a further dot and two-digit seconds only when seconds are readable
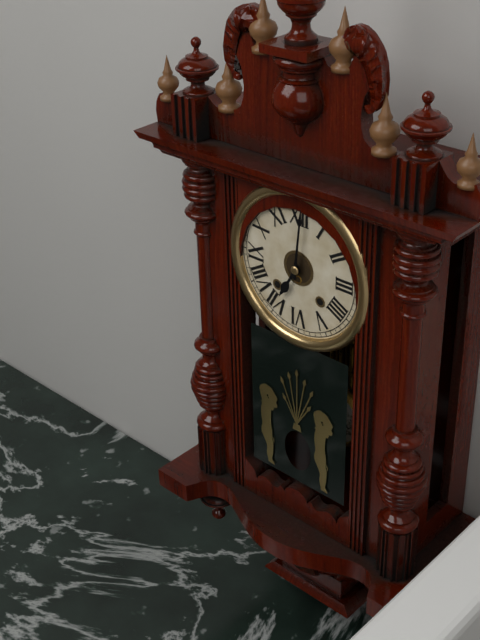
7.01
